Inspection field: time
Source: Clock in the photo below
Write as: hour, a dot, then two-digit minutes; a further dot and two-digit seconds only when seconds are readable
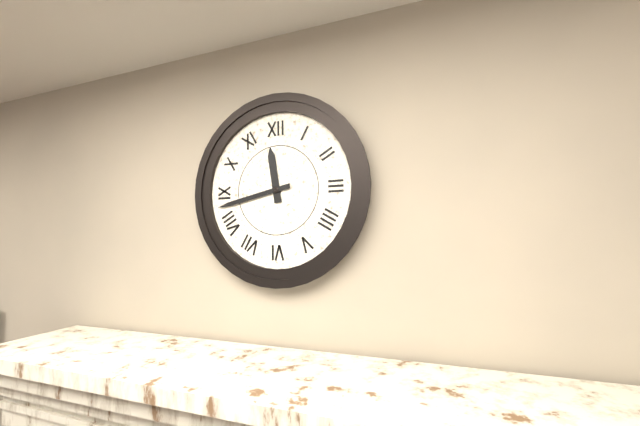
11.43
